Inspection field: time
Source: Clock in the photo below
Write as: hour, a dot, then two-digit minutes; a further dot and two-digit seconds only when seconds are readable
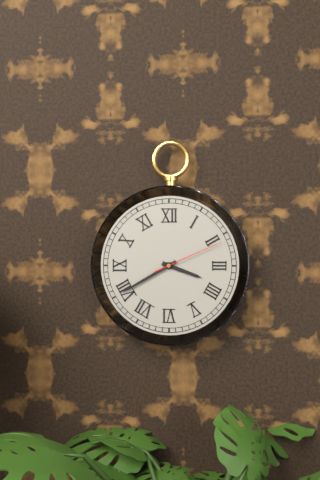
3.40.11
